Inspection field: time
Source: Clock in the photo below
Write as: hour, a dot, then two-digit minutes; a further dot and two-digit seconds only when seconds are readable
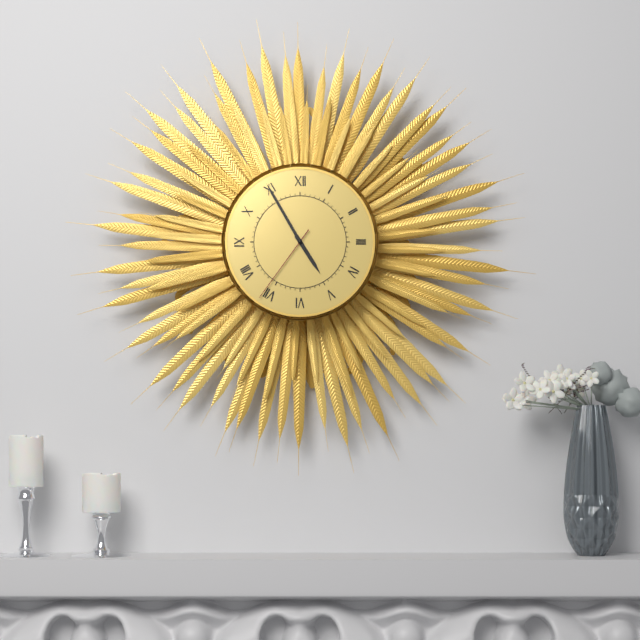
4.55.36
